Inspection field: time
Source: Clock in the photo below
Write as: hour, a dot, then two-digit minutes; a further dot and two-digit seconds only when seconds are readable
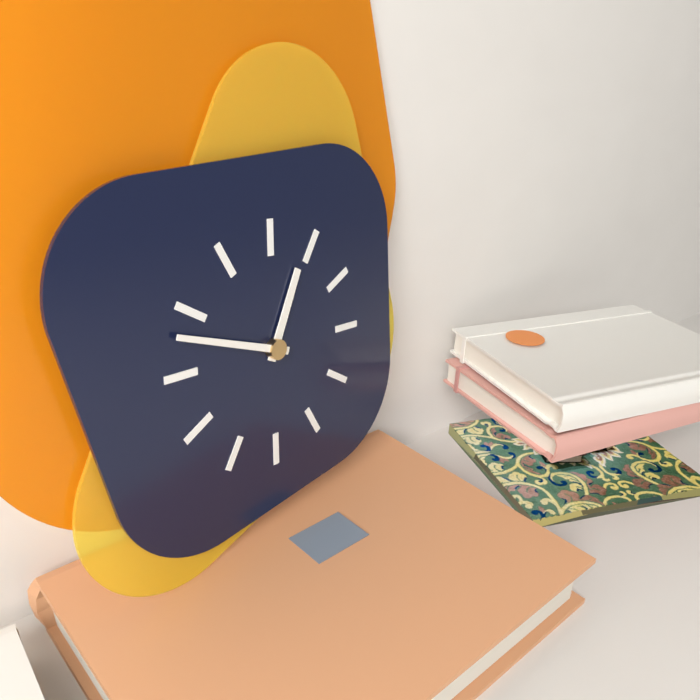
12.48
